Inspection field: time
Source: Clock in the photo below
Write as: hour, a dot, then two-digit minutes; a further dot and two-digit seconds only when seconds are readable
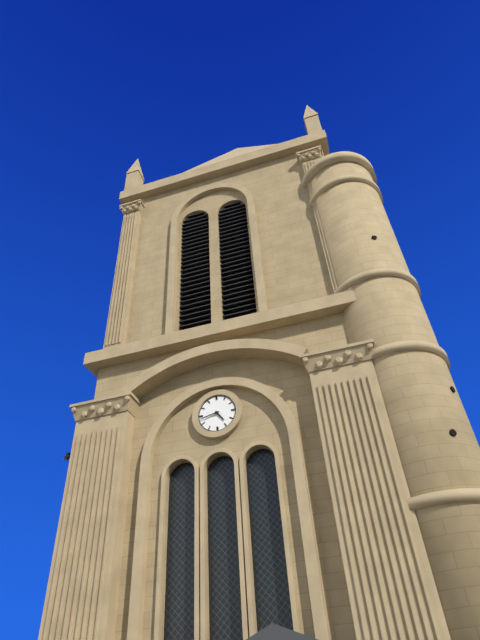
4.43
